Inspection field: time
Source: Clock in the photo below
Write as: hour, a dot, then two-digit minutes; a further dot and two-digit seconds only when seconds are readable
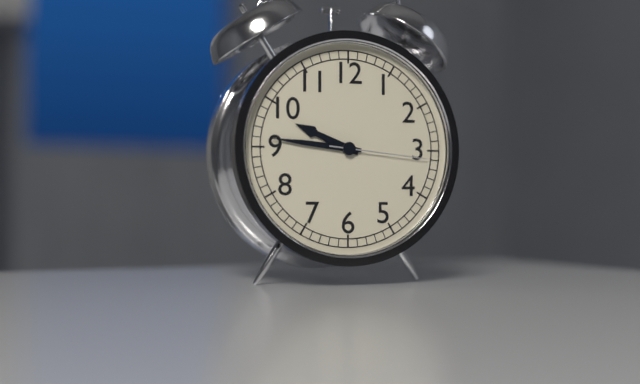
9.46.16
